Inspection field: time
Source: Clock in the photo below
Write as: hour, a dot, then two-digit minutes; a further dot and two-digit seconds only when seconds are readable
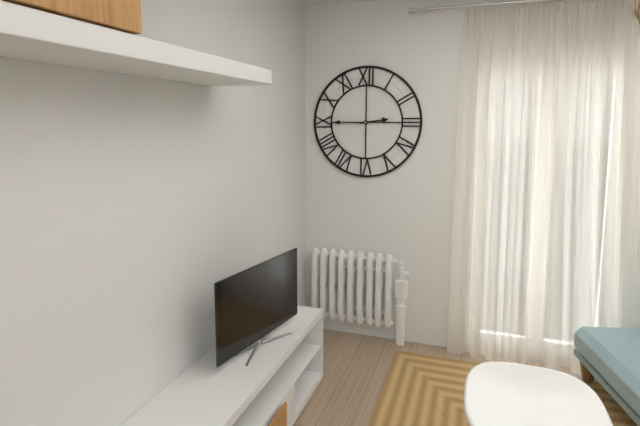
2.45
